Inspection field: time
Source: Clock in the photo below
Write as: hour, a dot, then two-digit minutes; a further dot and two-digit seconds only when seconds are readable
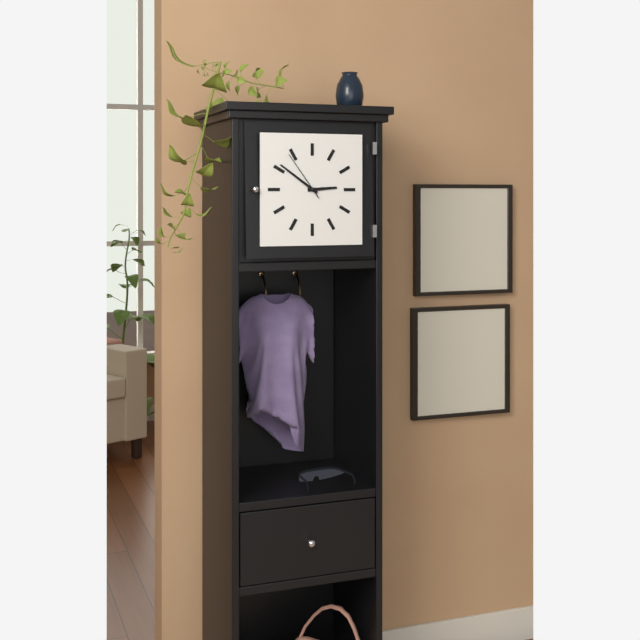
2.51.54
